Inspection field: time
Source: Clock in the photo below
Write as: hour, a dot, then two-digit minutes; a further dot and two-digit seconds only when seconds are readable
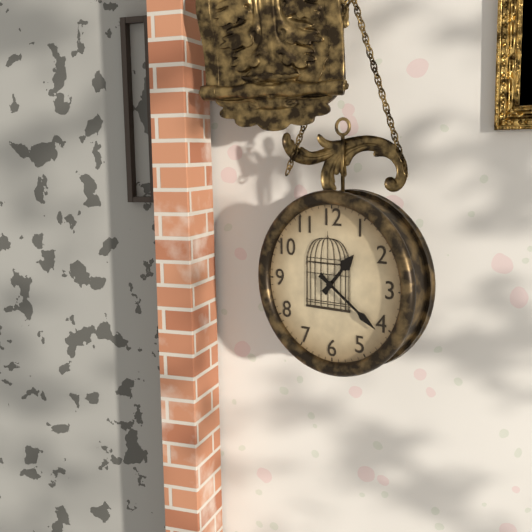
1.21
